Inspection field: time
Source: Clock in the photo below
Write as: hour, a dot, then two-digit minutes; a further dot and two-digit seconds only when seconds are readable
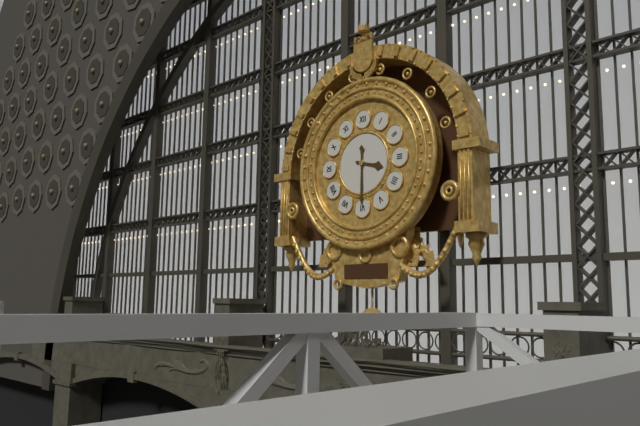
3.30
